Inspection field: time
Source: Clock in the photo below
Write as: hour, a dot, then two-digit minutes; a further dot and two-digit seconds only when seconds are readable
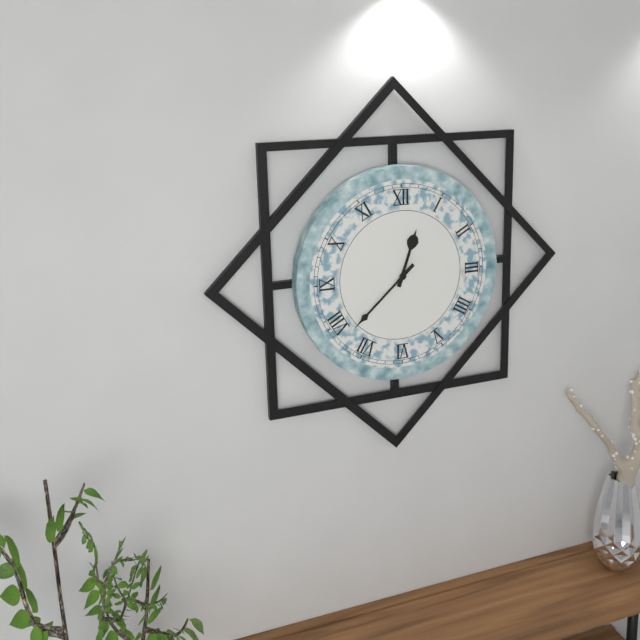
12.38
